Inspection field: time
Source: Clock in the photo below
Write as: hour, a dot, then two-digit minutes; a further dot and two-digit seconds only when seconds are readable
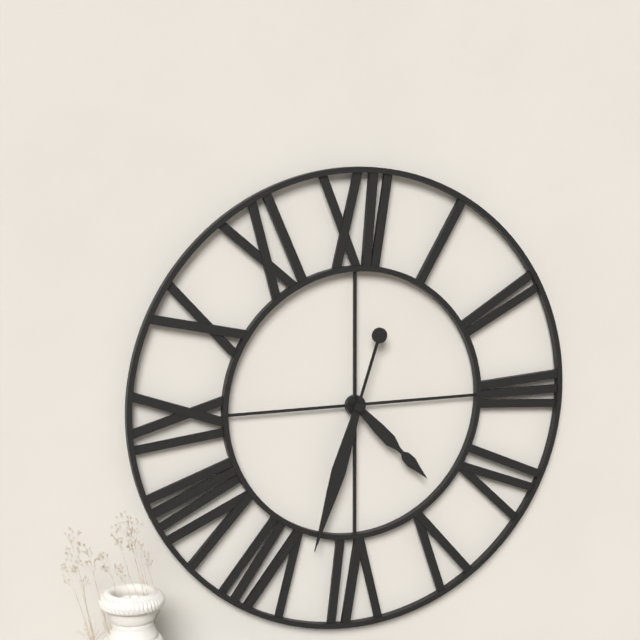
4.33
